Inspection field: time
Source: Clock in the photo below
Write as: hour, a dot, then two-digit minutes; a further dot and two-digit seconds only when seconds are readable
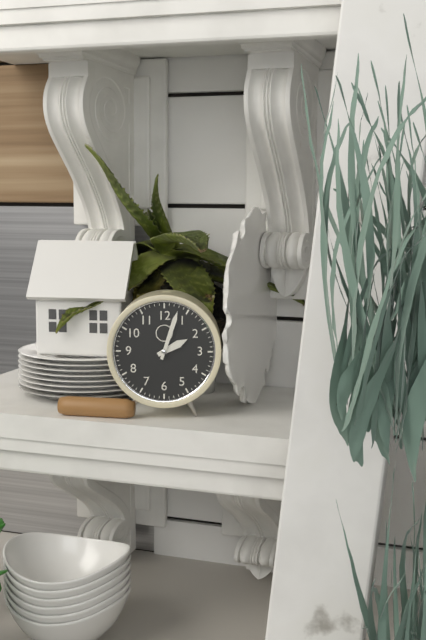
2.03
